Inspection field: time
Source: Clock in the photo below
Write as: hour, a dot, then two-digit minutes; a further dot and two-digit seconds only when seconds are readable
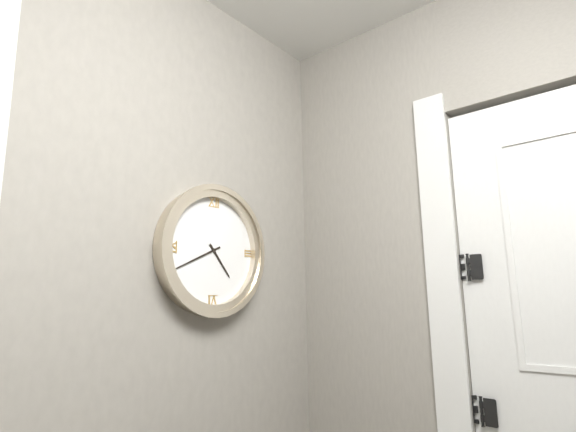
4.41
